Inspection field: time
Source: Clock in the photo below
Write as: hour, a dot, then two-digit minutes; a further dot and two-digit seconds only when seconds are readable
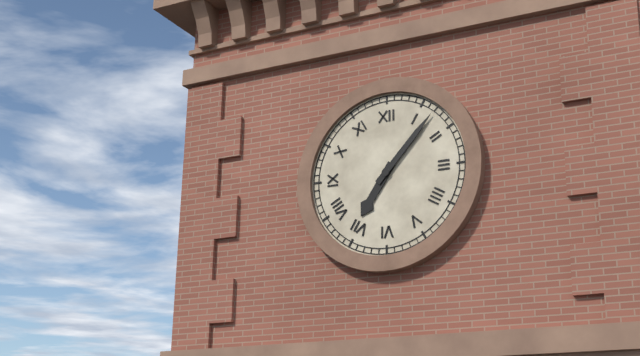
7.07
